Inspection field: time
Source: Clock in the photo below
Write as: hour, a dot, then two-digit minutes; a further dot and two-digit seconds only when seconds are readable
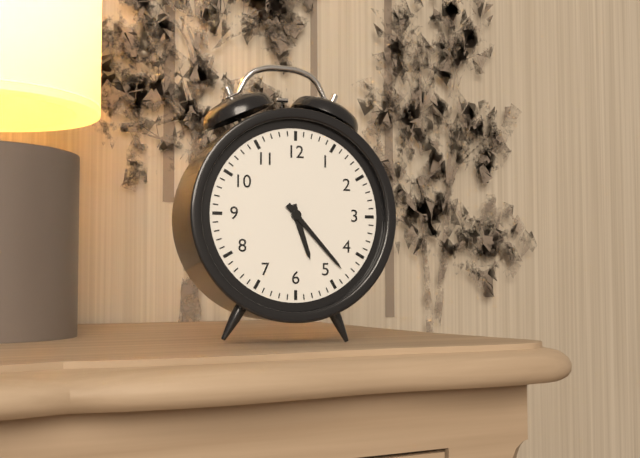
5.23
